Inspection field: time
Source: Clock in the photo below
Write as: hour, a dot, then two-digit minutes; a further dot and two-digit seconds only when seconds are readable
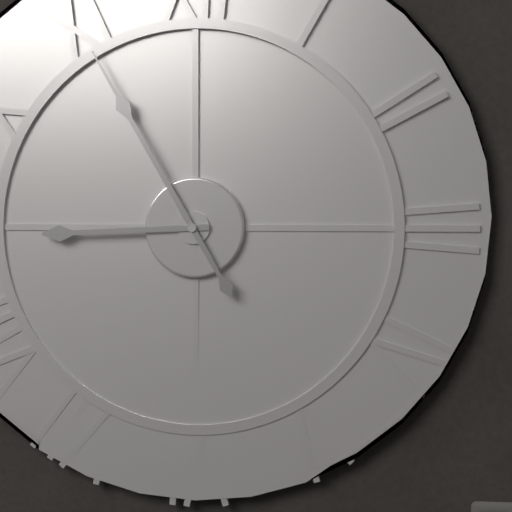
8.55
